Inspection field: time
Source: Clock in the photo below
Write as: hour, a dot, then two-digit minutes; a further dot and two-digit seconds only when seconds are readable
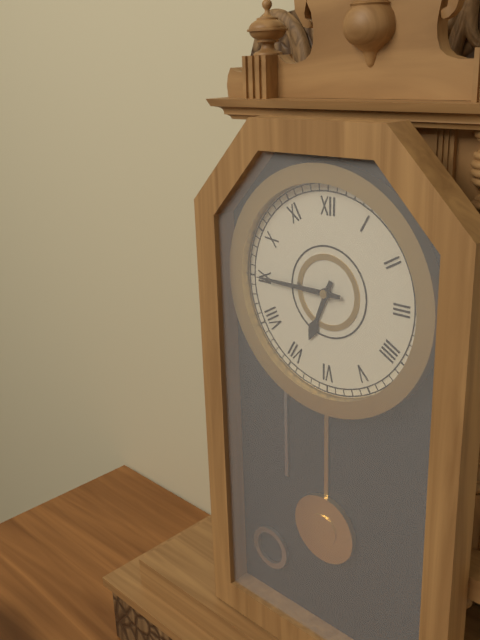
6.45
